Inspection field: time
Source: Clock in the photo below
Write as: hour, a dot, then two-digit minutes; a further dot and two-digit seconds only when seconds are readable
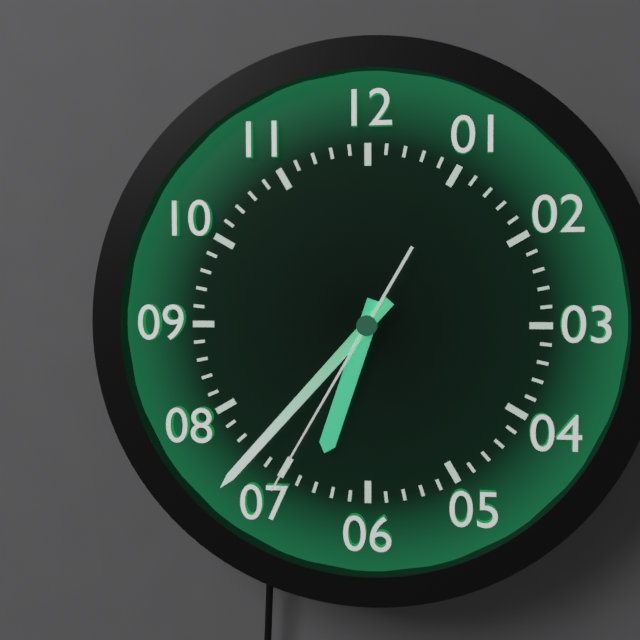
6.37.35
